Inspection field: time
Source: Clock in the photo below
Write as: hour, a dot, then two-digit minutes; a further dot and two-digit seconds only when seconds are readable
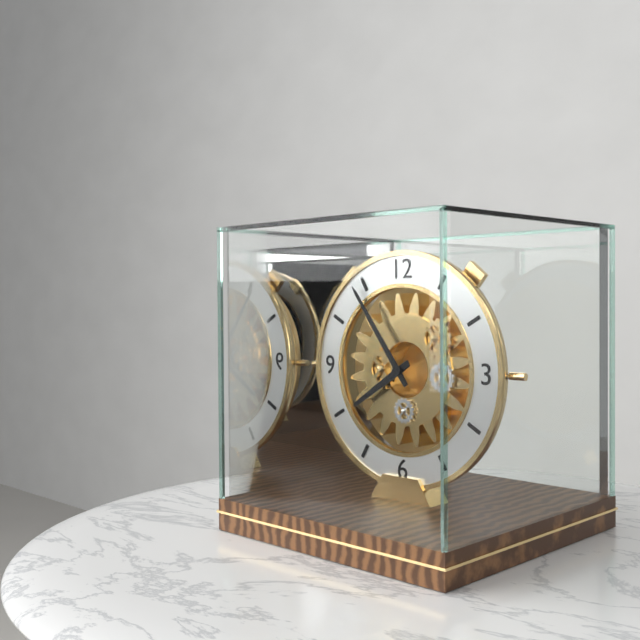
7.54
